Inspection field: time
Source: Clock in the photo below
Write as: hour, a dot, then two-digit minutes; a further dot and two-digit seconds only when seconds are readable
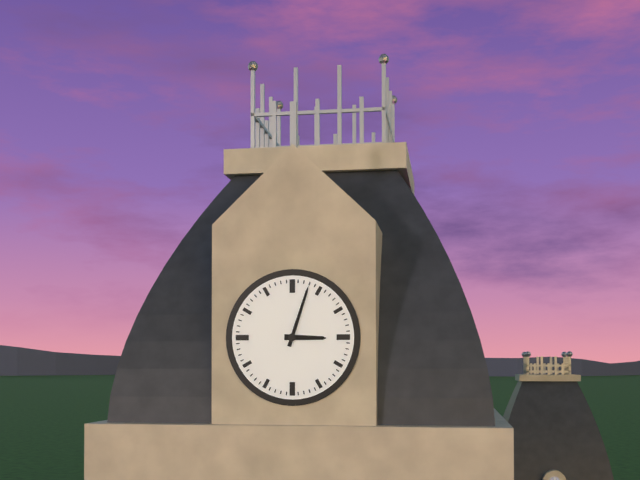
3.03
